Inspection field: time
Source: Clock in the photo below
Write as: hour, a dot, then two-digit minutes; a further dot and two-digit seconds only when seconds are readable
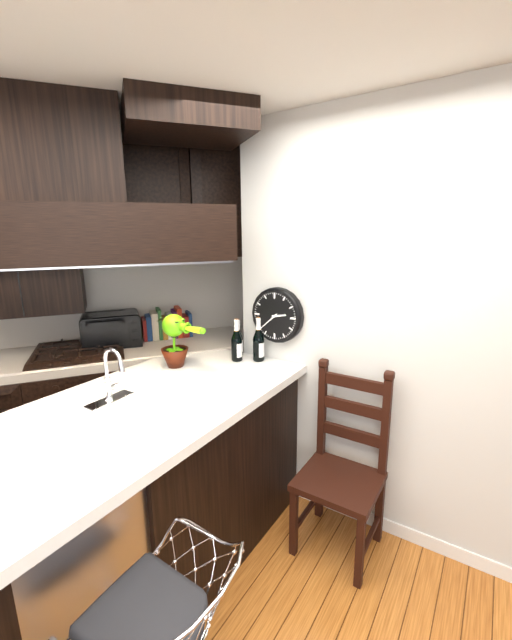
2.38
